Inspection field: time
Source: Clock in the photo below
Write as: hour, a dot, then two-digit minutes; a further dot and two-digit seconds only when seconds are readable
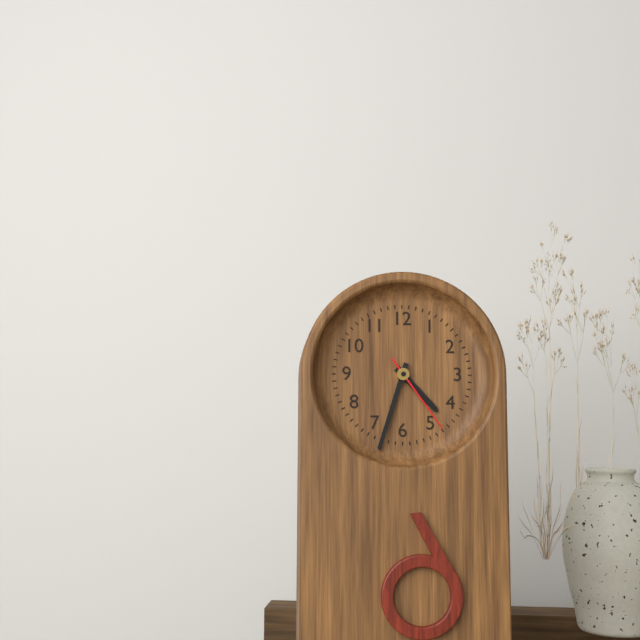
4.33.24
